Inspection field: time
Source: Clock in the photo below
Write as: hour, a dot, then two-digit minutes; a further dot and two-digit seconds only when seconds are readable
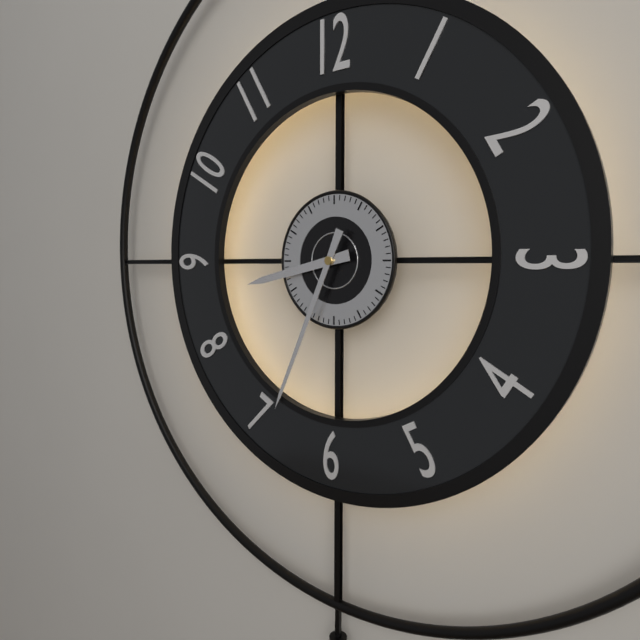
8.34
